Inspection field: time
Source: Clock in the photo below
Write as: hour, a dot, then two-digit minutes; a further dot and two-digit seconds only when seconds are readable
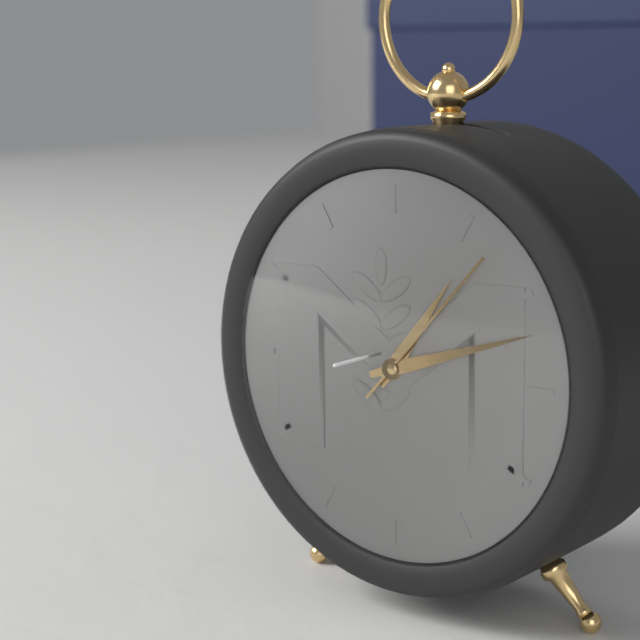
1.12.07
